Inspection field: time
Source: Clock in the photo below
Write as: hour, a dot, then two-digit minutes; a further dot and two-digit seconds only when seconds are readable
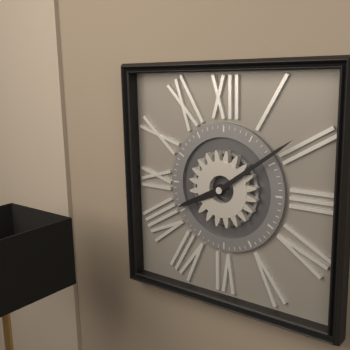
8.09
